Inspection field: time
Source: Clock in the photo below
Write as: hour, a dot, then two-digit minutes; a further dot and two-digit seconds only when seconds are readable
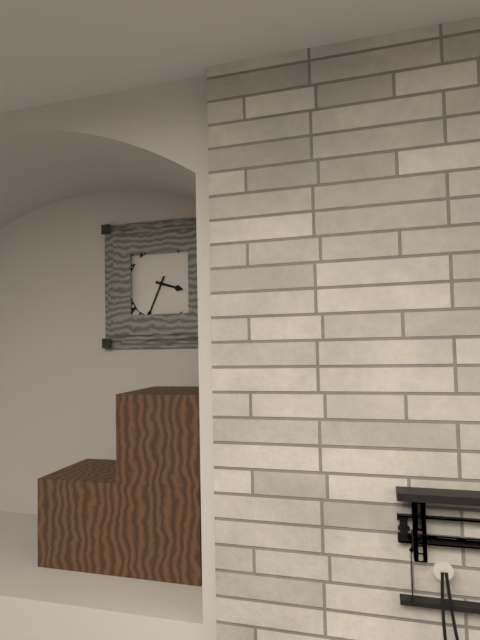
3.34
